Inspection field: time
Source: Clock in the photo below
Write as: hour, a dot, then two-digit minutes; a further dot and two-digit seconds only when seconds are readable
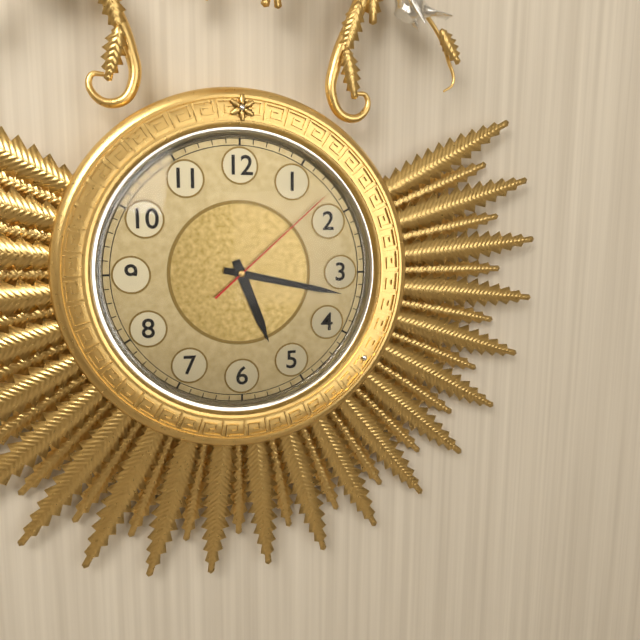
5.17.08
